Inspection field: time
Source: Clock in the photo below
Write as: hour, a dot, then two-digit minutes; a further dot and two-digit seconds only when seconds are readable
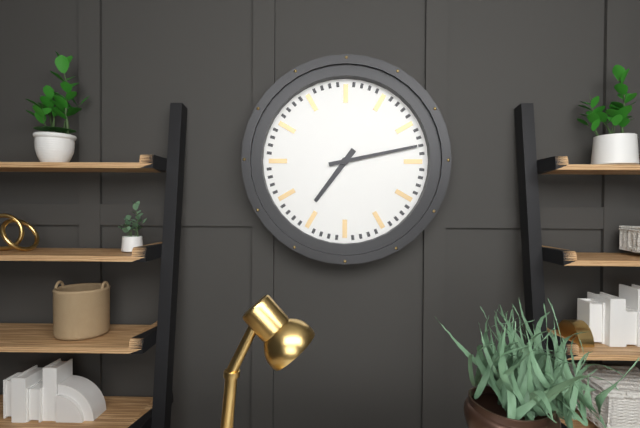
7.13
